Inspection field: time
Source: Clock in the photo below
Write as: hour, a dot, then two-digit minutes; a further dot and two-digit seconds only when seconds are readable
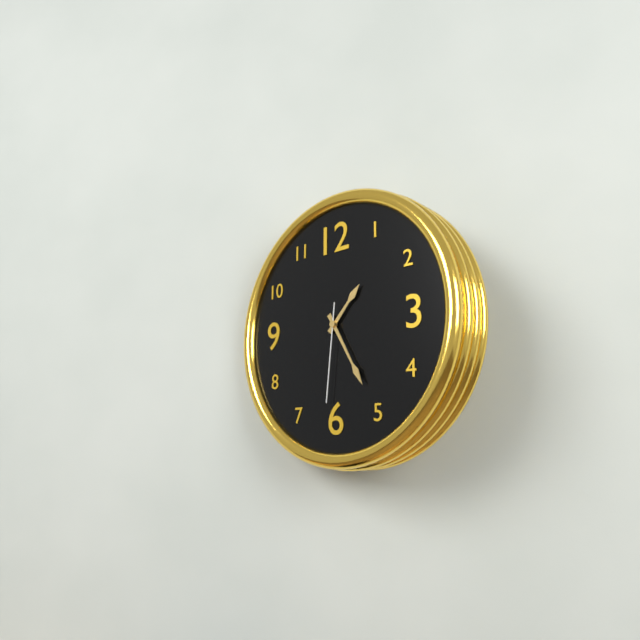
1.25.31
